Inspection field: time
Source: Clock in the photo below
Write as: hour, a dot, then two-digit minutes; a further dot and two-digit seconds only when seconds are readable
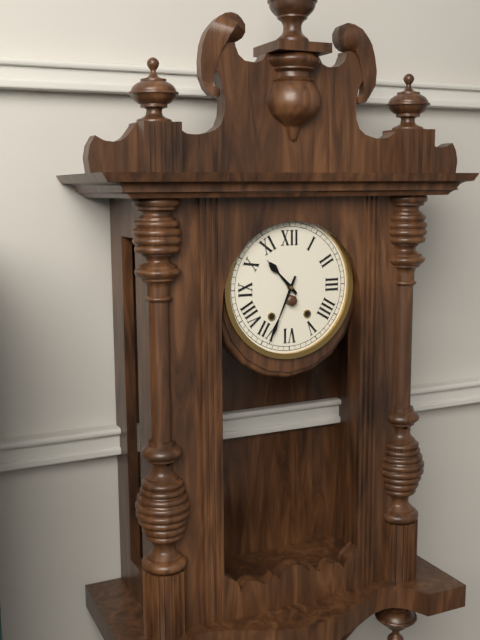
10.34
